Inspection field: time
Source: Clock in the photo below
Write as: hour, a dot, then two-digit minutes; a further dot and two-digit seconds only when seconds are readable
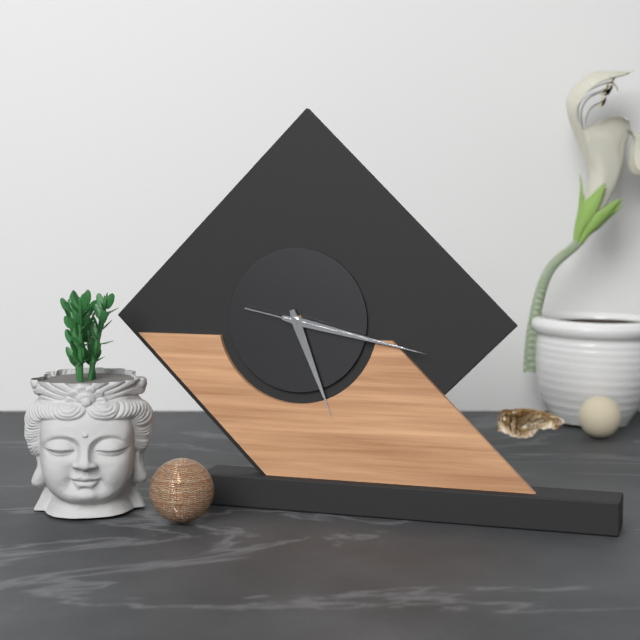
5.17.17
